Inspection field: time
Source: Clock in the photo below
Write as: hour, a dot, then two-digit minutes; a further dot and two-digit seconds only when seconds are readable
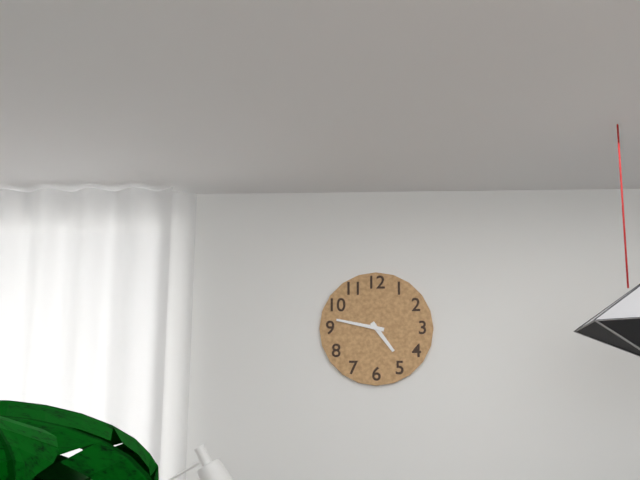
4.47
